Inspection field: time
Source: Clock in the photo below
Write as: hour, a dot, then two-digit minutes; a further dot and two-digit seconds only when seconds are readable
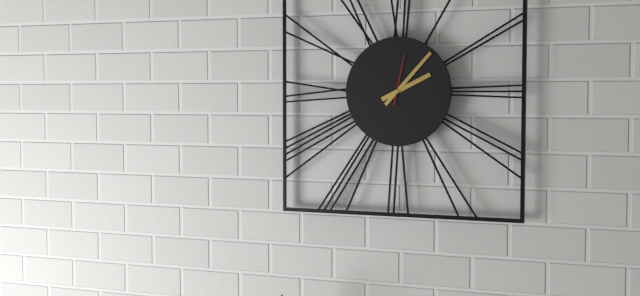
2.07
